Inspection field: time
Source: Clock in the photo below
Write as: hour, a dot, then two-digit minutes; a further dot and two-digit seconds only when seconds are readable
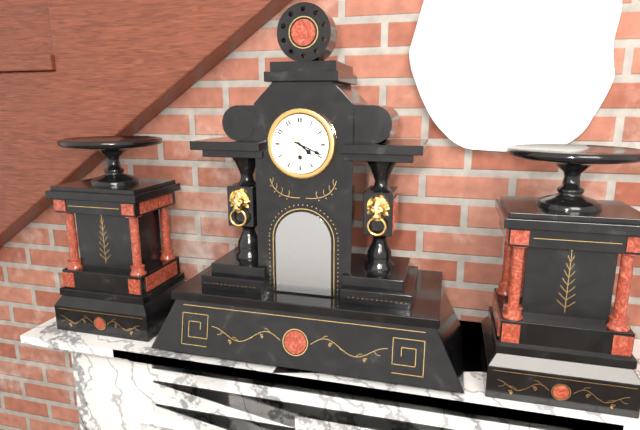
4.19
